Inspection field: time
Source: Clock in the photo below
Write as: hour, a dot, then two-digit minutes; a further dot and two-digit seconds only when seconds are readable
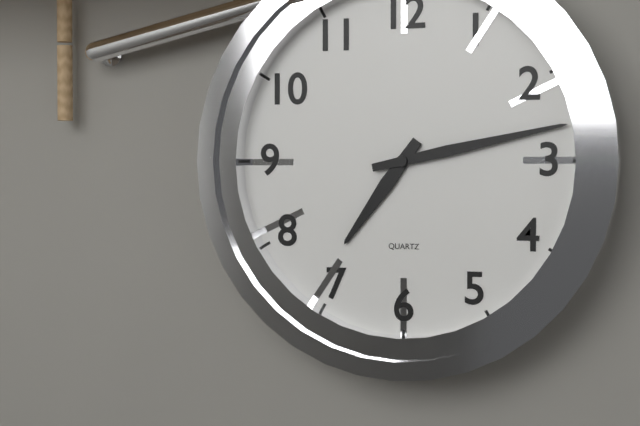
7.13
